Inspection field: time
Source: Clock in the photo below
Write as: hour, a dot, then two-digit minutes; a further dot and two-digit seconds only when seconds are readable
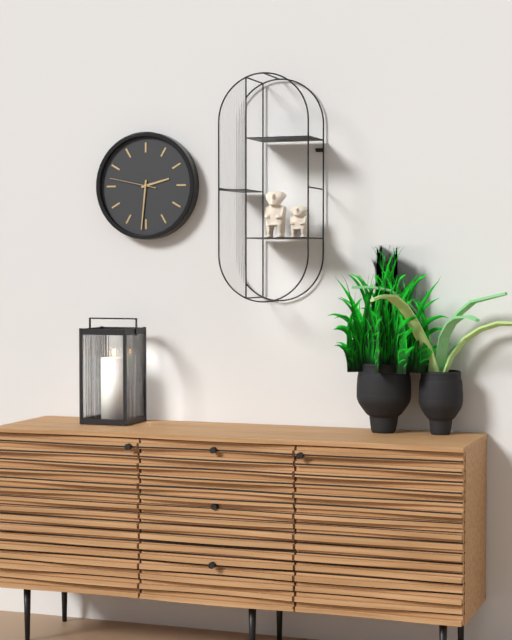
2.31.47
